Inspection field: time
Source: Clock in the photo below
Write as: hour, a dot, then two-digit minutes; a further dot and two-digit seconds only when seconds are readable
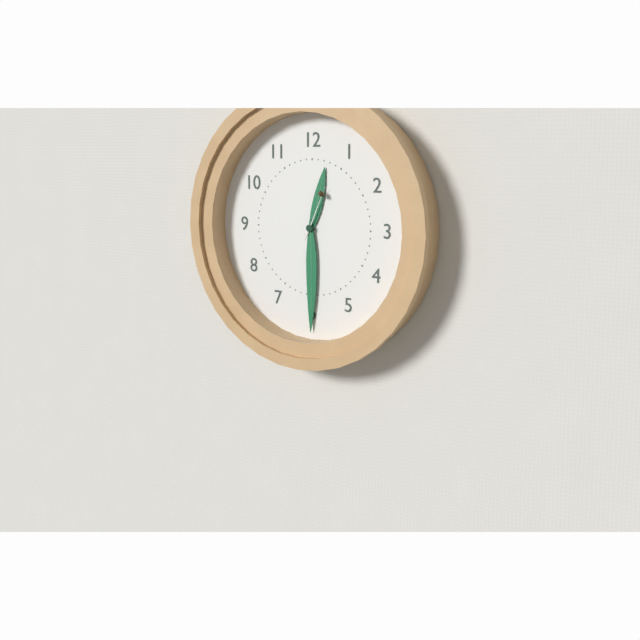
12.30.04
